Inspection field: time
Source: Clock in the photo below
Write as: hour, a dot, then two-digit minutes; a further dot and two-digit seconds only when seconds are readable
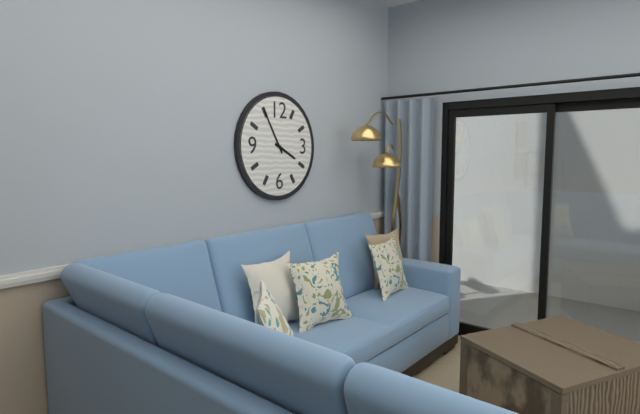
3.55
